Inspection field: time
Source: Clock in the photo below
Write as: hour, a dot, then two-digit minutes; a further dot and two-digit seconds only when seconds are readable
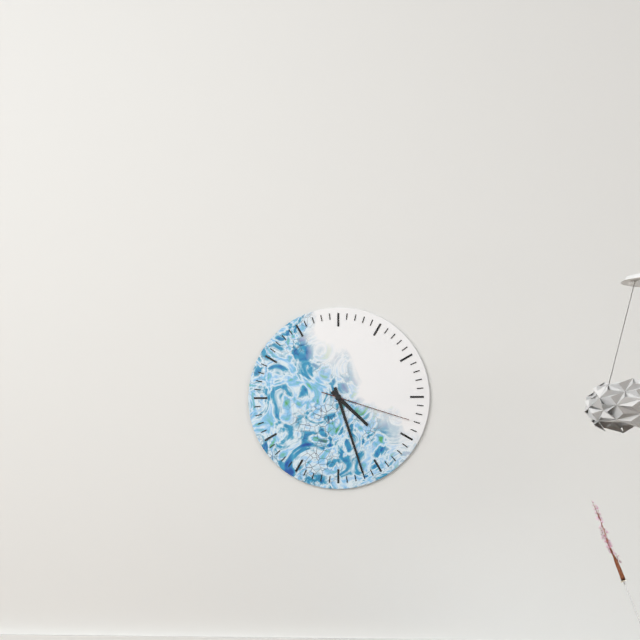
4.27.18
